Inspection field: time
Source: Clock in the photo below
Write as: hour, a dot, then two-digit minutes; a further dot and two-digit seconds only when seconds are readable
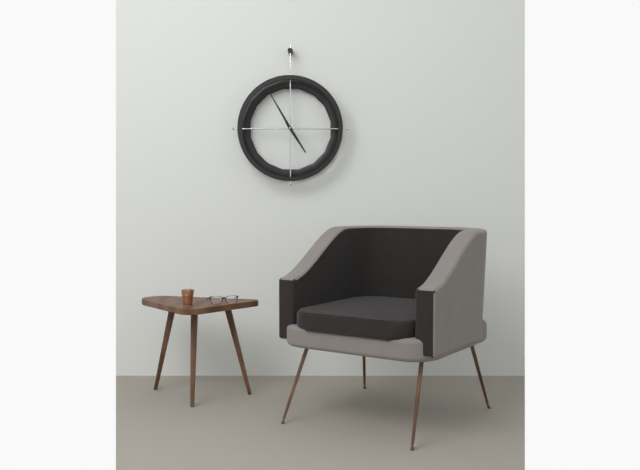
4.55
